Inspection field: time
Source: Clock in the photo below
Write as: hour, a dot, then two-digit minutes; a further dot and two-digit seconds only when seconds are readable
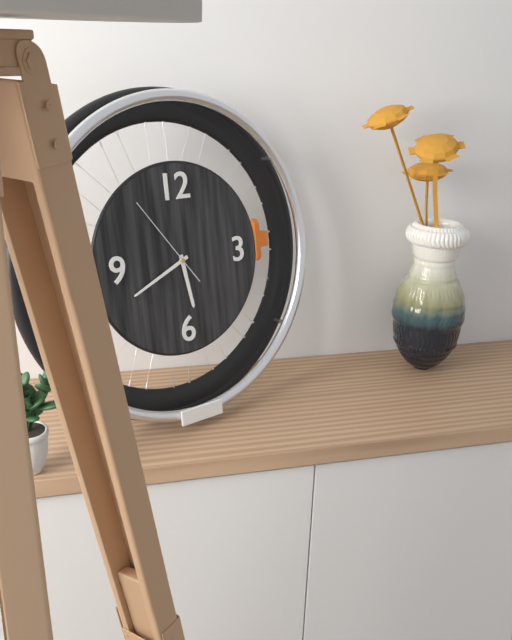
5.41.54
